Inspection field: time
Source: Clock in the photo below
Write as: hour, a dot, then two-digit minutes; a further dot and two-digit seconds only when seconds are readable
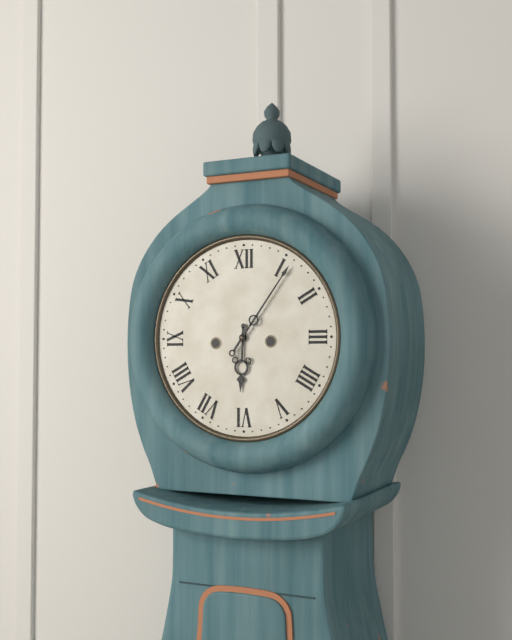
6.06
